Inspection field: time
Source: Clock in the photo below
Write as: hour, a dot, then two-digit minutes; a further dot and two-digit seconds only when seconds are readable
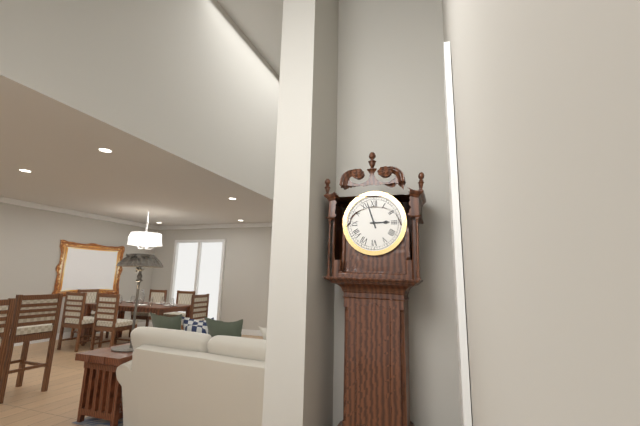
2.57
